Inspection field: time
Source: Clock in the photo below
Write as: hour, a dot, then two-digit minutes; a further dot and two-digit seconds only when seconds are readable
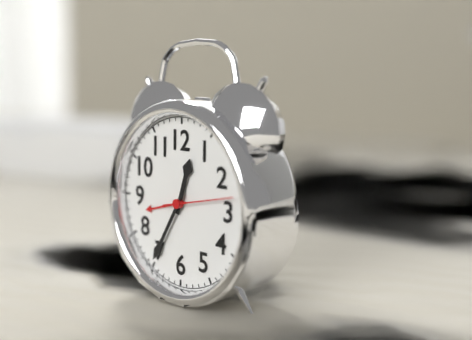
12.35.13
